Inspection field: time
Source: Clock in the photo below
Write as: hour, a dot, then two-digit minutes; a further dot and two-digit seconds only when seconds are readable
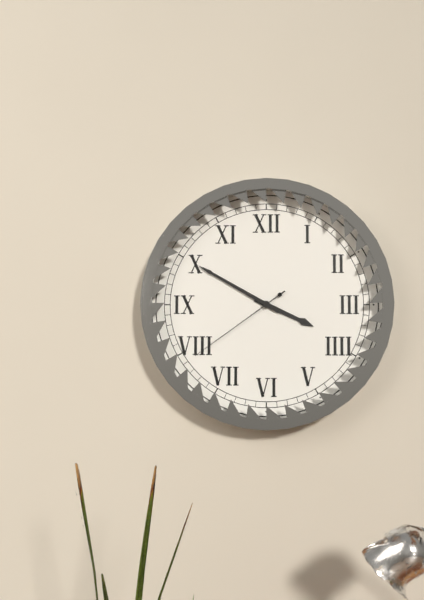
3.50.39
